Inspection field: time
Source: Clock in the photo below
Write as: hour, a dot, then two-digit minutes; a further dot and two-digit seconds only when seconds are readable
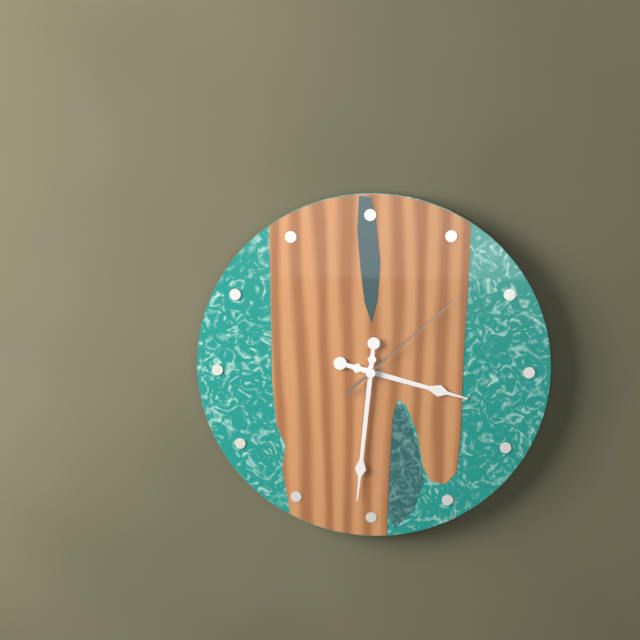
3.31.08
